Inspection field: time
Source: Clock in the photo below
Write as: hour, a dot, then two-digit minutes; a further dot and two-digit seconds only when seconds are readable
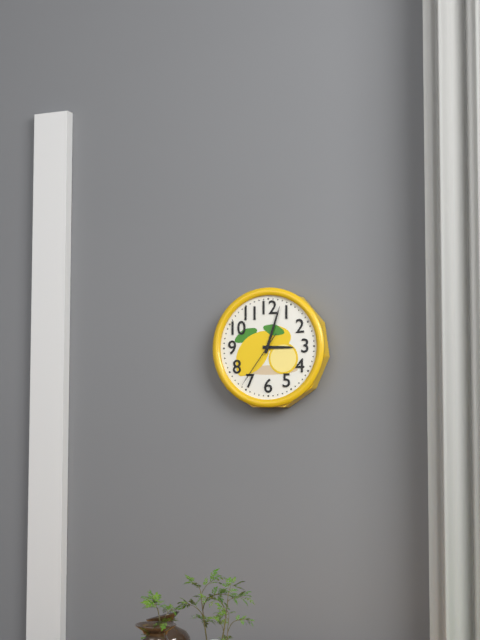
3.03.36
